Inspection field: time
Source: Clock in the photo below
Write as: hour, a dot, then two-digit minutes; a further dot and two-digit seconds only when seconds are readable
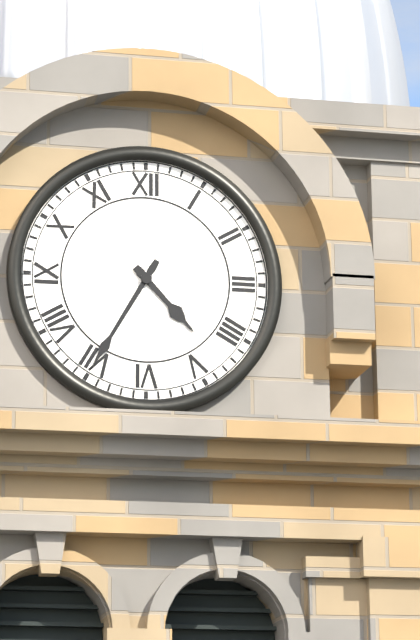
4.35
